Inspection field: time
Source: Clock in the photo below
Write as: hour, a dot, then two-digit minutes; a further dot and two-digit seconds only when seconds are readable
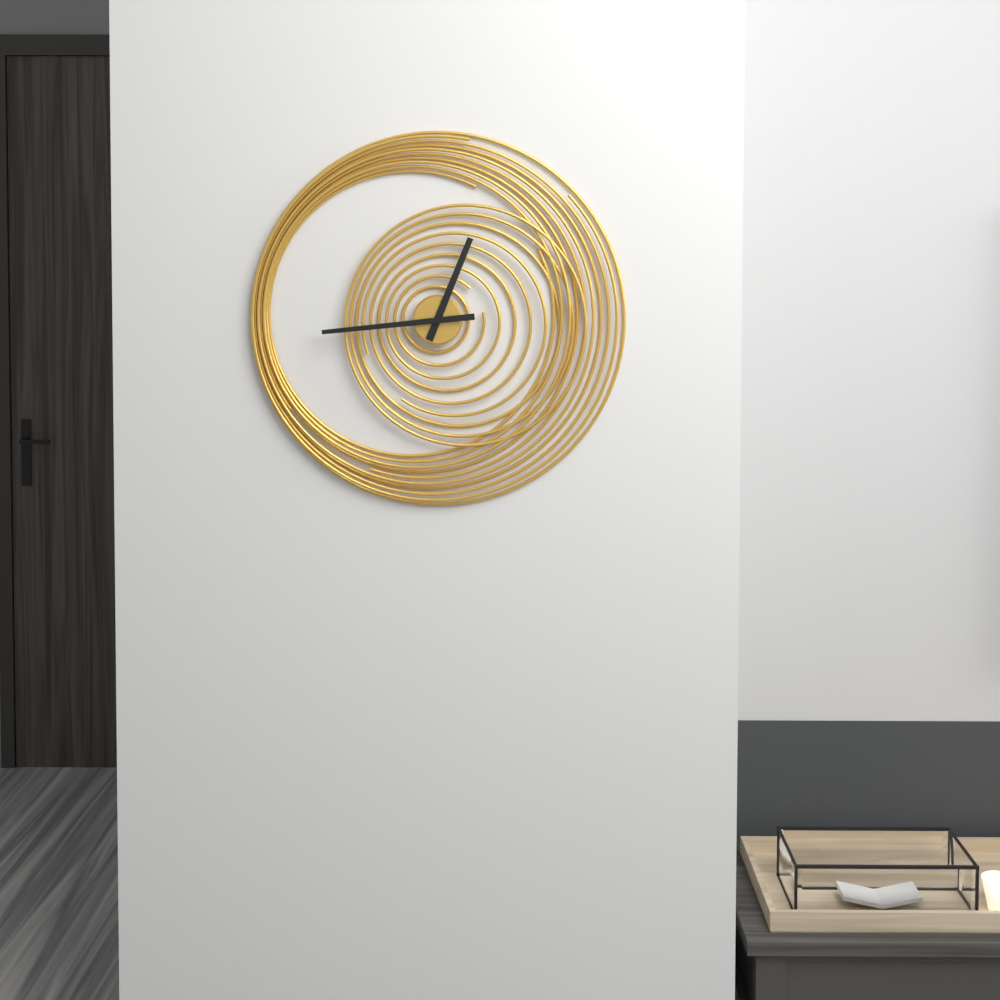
12.44
